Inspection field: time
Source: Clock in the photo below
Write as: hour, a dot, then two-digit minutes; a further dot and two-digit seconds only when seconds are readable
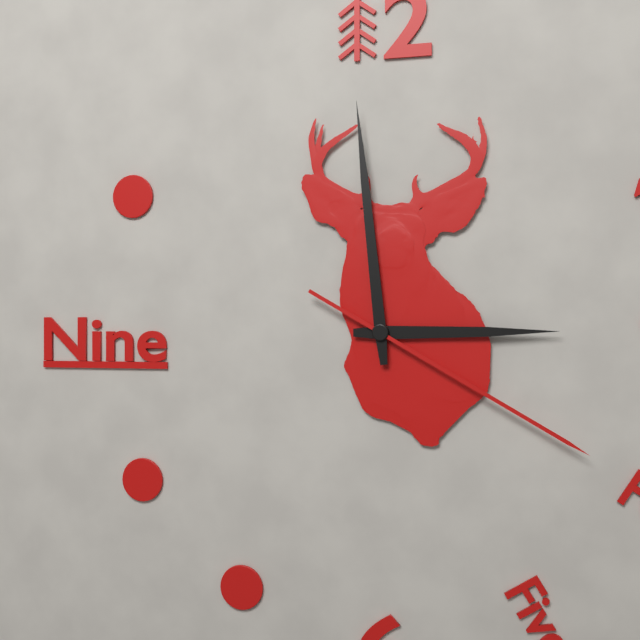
2.59.20
